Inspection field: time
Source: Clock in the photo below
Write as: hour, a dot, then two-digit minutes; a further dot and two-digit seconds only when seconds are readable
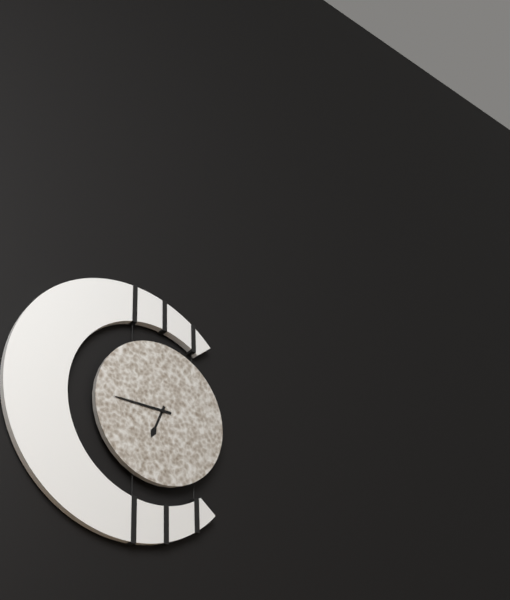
6.45
